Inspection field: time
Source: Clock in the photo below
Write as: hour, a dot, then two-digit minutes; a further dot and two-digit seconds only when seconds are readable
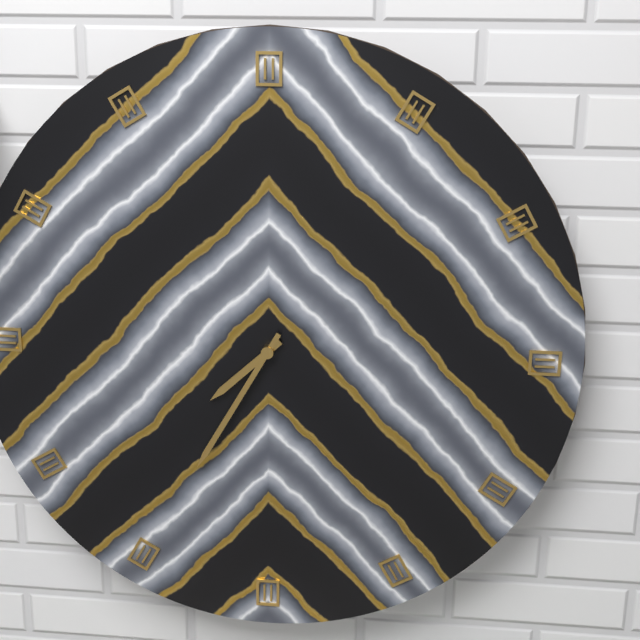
7.35
